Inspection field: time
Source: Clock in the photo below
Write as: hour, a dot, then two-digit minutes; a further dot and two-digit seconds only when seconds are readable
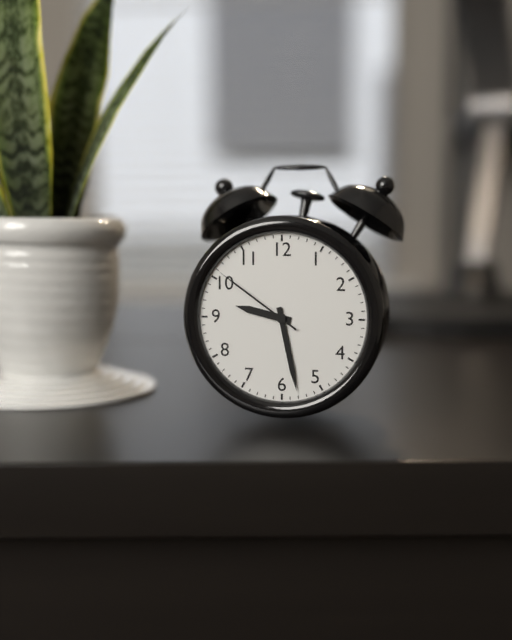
9.28.51
